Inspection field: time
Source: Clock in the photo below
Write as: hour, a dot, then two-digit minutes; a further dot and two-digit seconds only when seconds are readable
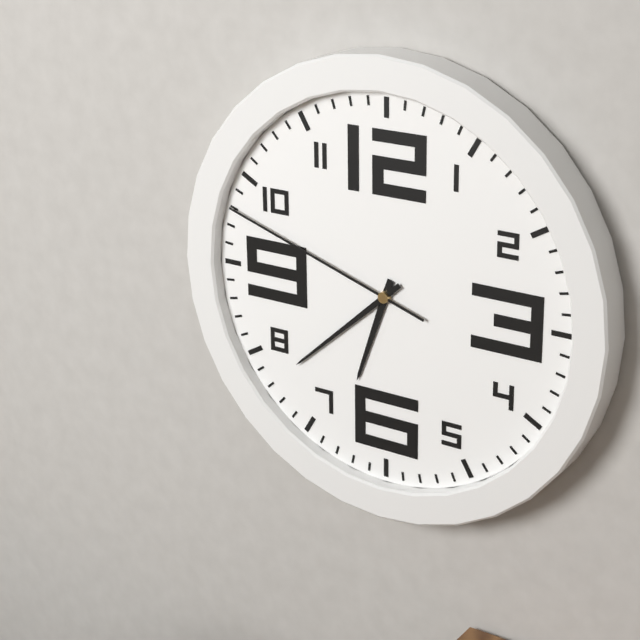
6.38.48
